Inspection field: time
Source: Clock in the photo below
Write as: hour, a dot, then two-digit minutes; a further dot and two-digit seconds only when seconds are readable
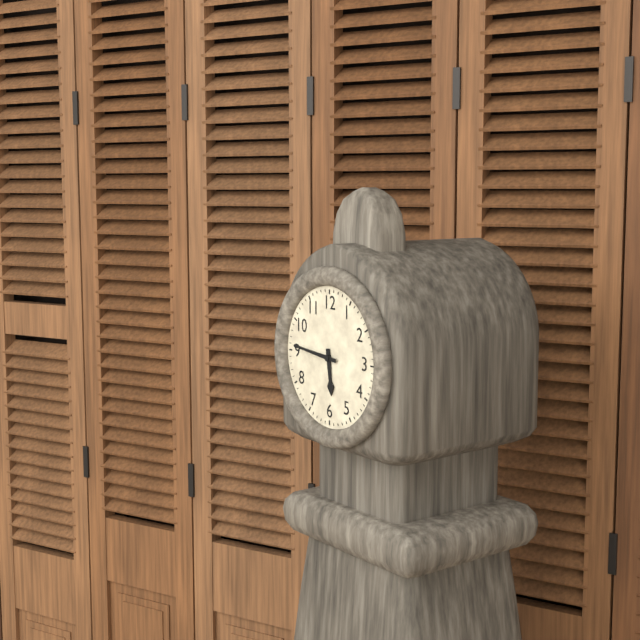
5.46
